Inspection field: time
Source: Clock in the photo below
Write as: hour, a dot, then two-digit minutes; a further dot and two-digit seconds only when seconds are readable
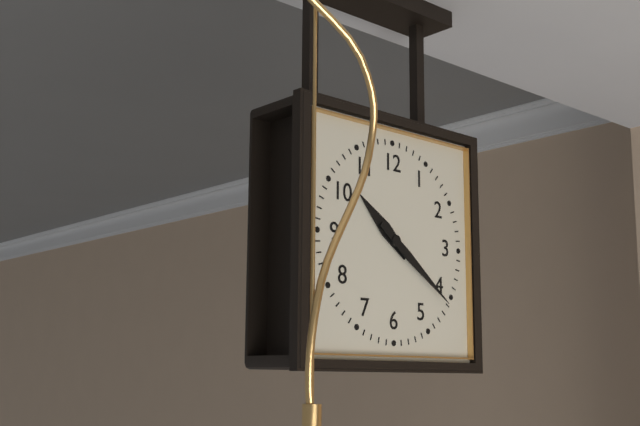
10.21
